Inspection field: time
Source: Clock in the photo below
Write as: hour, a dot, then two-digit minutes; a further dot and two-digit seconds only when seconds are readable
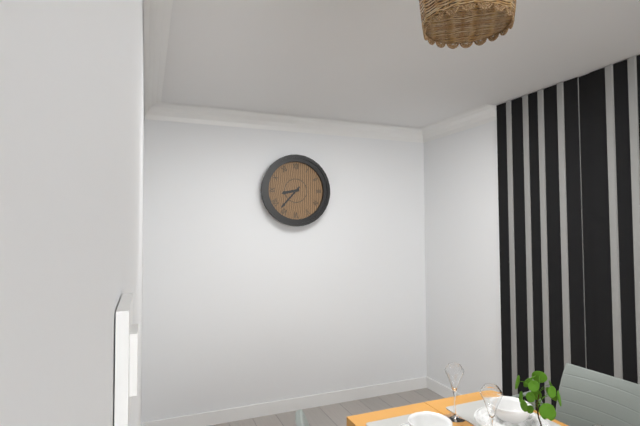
8.37
